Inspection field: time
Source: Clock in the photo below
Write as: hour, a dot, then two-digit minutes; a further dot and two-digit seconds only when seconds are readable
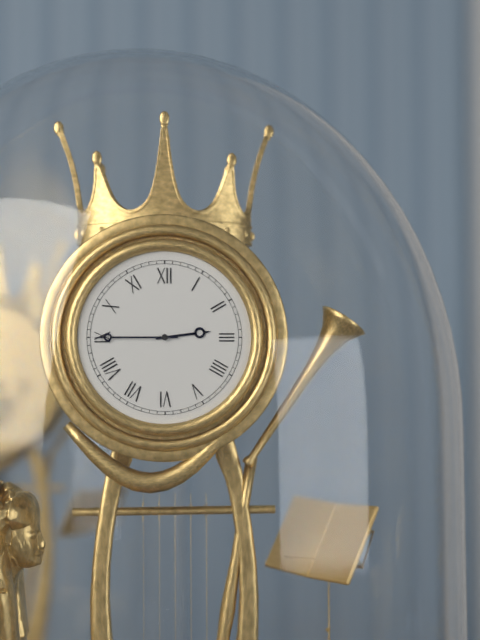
2.45
